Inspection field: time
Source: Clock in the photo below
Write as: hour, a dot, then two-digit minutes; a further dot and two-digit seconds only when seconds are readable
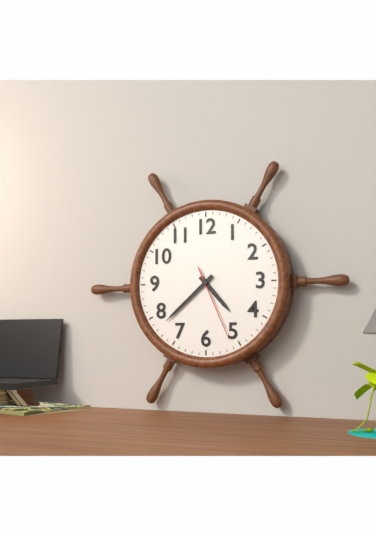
4.38.26
